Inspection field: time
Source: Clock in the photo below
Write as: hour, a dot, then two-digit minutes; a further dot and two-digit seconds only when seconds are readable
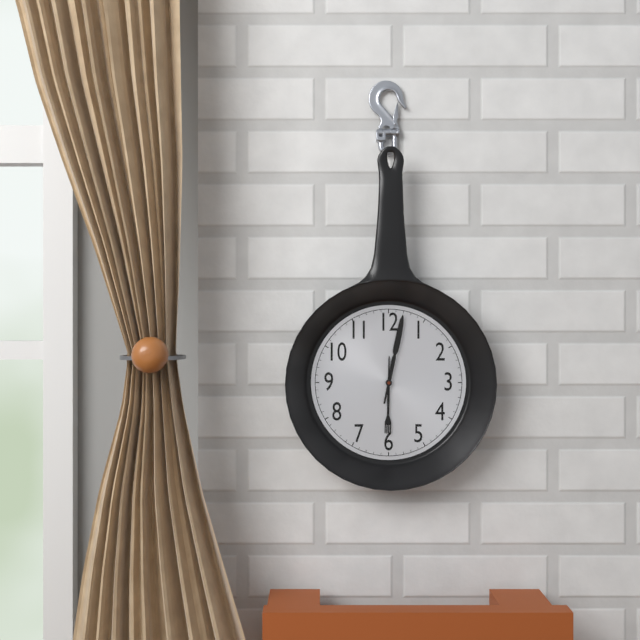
6.02
